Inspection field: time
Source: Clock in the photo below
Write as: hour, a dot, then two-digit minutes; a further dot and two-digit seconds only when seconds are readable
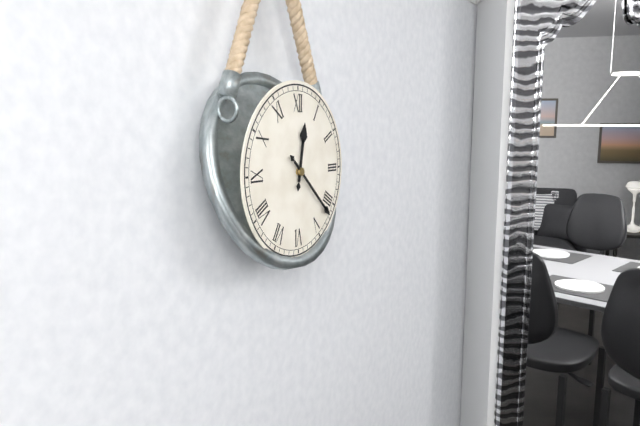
12.22
